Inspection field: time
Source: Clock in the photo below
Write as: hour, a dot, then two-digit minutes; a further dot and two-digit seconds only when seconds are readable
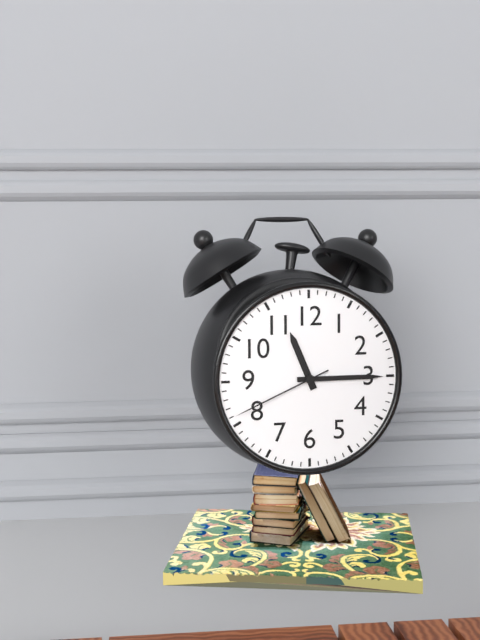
11.15.41
